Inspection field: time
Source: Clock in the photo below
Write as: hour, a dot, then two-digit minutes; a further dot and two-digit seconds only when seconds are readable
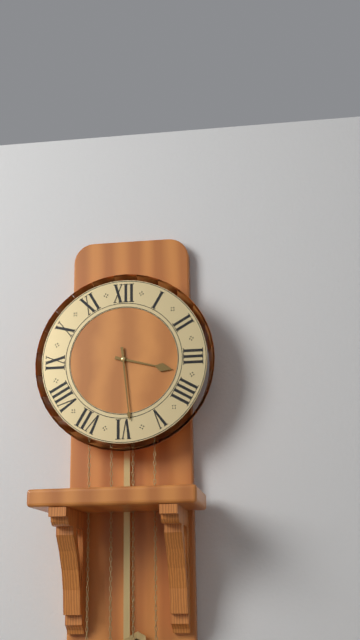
3.29
